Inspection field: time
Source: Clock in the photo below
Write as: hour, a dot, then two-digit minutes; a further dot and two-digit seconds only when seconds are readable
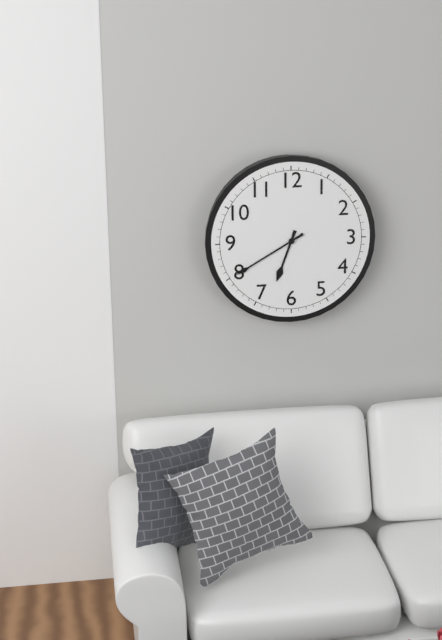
6.40
